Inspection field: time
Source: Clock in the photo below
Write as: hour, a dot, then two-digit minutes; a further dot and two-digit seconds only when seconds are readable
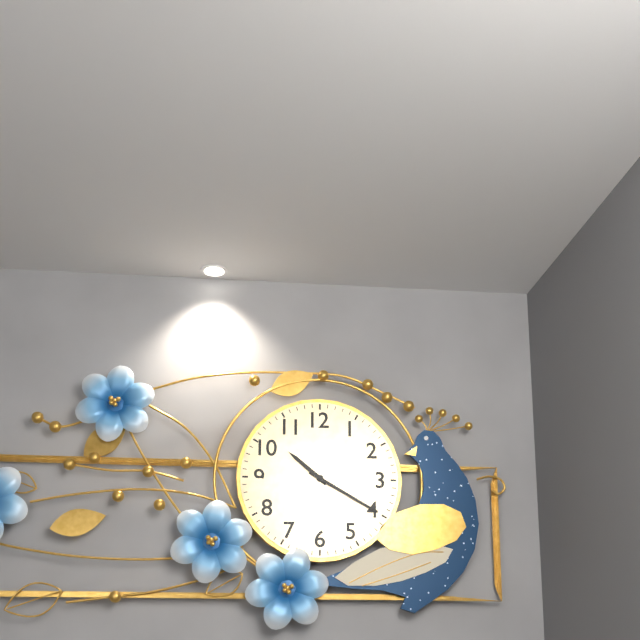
10.20
